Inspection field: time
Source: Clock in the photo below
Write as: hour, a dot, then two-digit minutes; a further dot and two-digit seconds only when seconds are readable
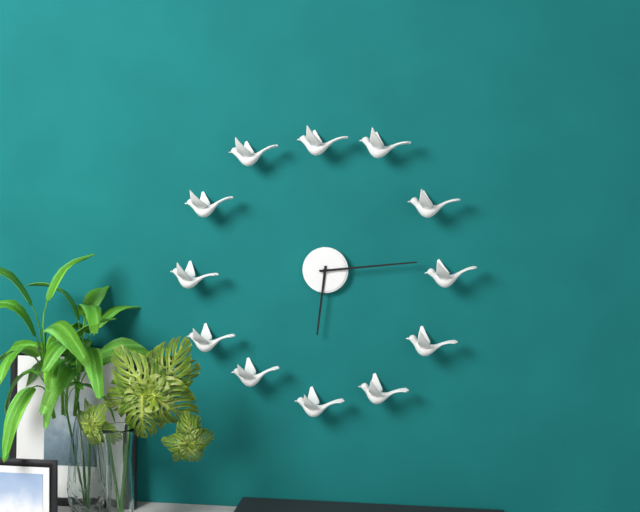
6.14
